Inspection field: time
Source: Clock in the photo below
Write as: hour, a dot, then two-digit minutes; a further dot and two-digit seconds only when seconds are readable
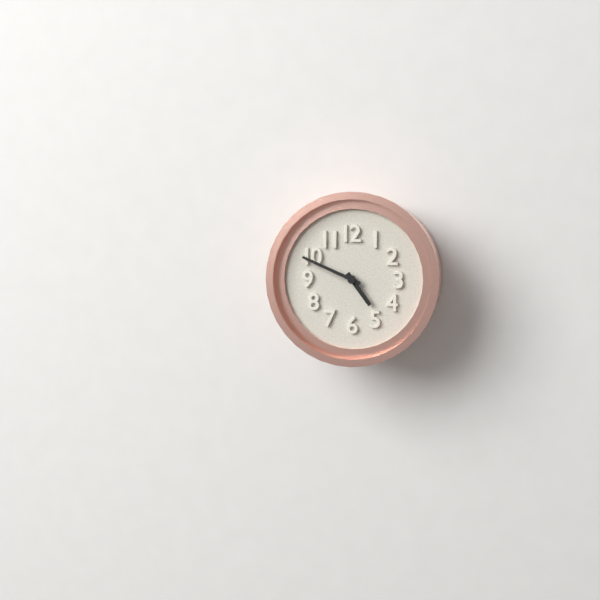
4.49
